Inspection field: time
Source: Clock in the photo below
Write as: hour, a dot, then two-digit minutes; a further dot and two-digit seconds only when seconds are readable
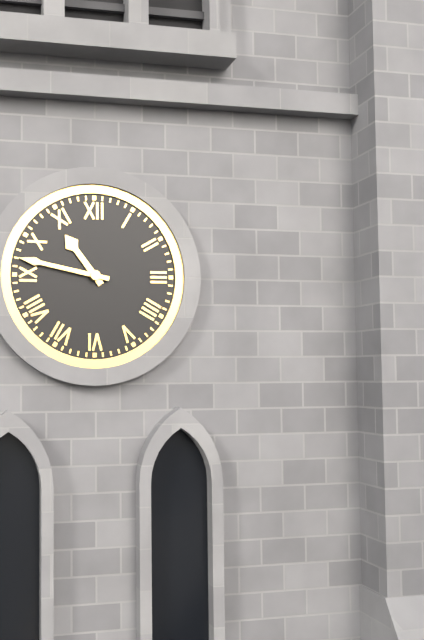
10.47
